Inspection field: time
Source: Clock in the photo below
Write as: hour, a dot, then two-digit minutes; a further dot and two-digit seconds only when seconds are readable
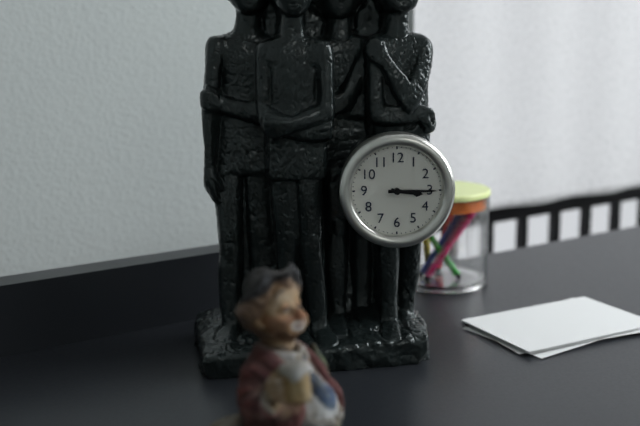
3.15
